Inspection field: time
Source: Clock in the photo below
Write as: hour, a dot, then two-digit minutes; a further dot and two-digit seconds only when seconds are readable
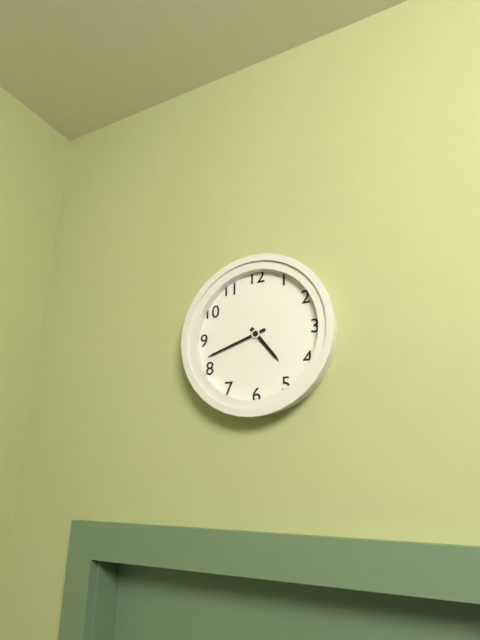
4.42
